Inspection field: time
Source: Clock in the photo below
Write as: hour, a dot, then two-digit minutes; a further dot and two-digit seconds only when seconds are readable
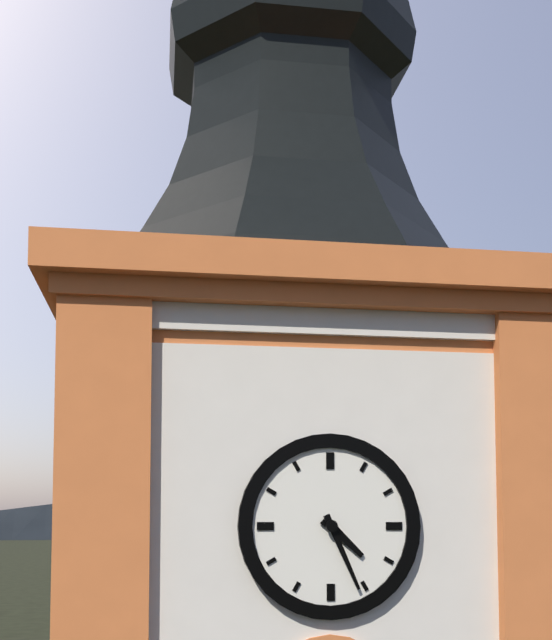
4.26
